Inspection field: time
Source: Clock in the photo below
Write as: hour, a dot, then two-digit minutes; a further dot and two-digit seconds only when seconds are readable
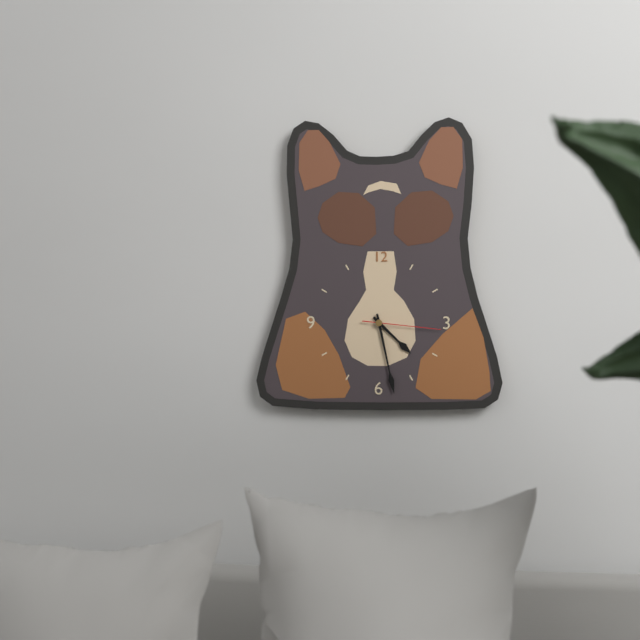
4.28.16
